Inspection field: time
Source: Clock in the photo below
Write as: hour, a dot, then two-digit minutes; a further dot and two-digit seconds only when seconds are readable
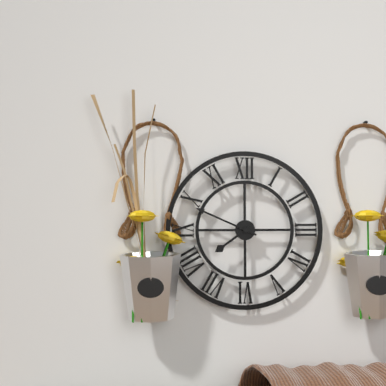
7.49
